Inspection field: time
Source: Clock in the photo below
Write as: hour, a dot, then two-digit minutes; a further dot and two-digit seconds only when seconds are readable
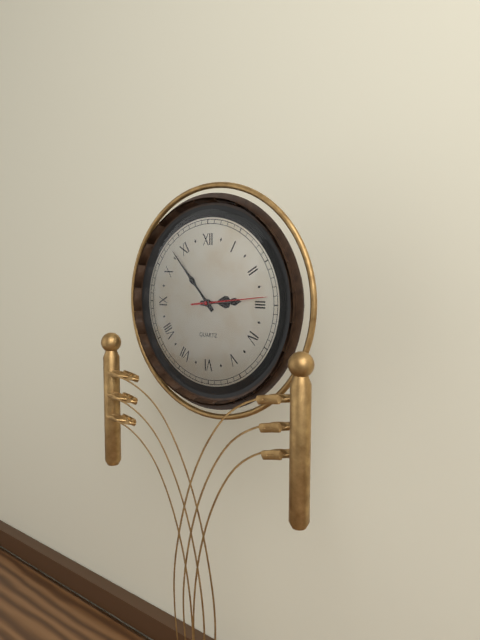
2.53.14
